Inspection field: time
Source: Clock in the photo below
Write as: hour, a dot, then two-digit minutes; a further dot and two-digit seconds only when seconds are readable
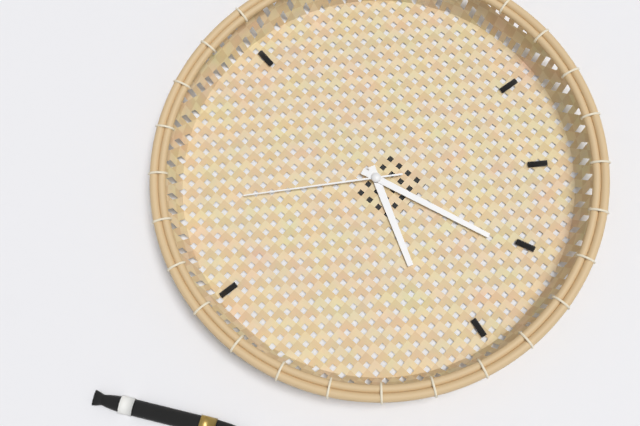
12.58.22
